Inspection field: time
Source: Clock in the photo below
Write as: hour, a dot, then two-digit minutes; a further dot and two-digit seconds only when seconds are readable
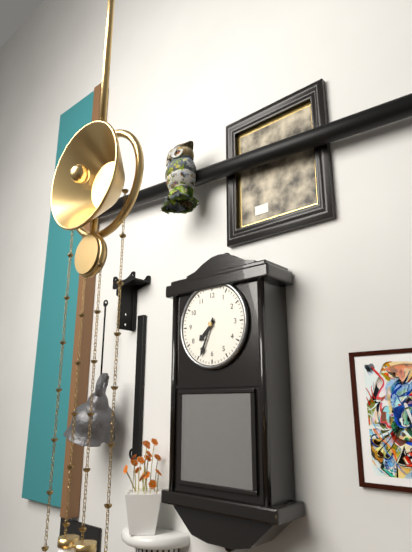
7.34
